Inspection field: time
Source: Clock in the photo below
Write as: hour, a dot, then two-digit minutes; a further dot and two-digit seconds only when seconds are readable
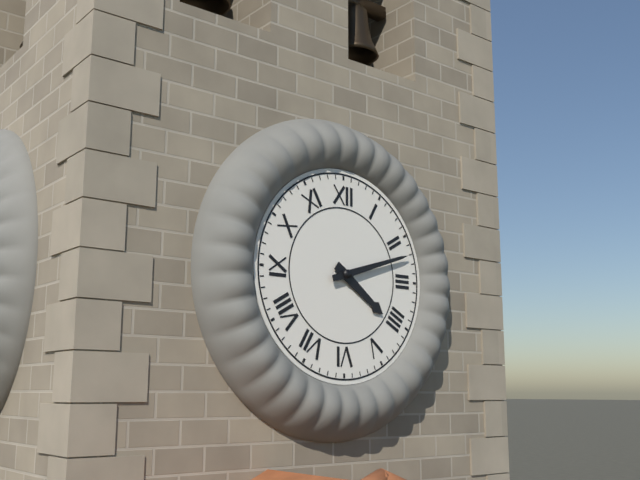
4.12
